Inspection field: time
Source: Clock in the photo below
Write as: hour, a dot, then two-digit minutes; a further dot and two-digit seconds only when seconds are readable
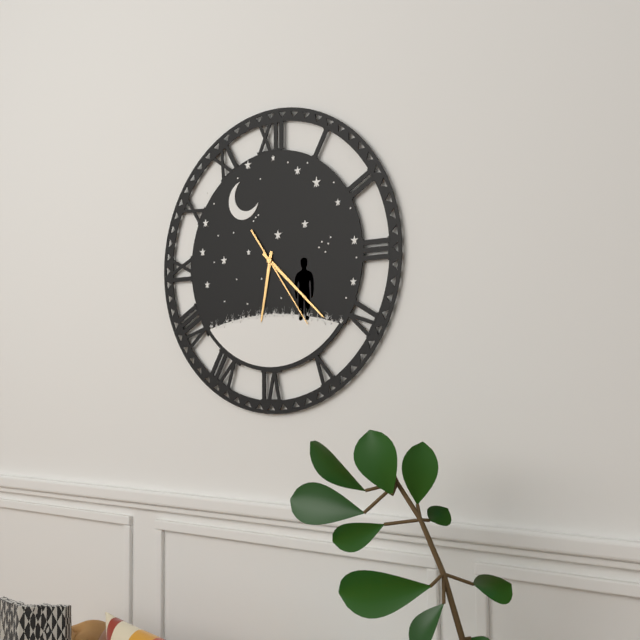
6.22.24
